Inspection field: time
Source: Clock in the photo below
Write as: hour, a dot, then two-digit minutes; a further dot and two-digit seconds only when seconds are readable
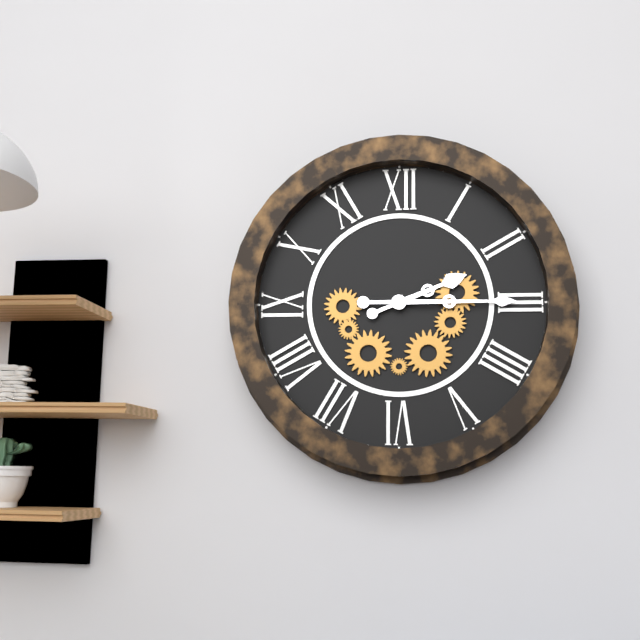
2.15
